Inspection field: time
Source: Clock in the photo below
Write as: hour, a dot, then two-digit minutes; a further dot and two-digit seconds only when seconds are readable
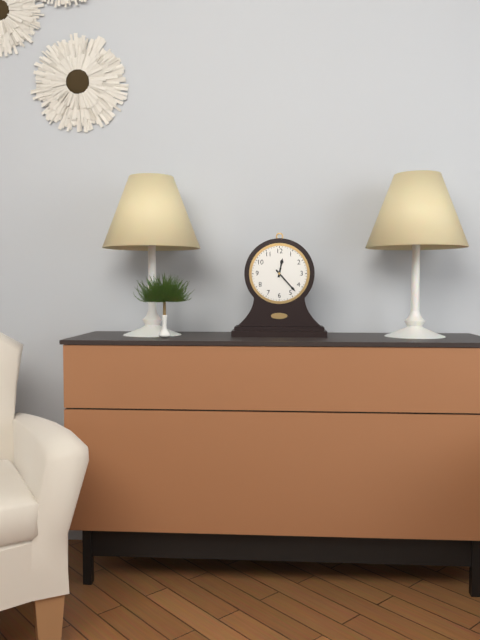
12.23
